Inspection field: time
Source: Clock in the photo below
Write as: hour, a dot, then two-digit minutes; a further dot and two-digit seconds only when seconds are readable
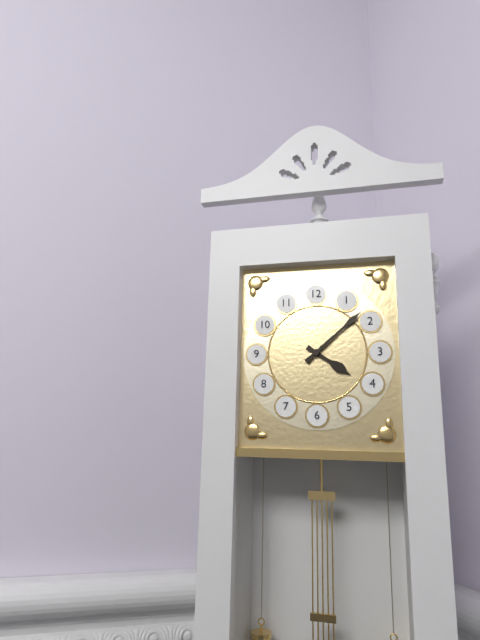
4.08
